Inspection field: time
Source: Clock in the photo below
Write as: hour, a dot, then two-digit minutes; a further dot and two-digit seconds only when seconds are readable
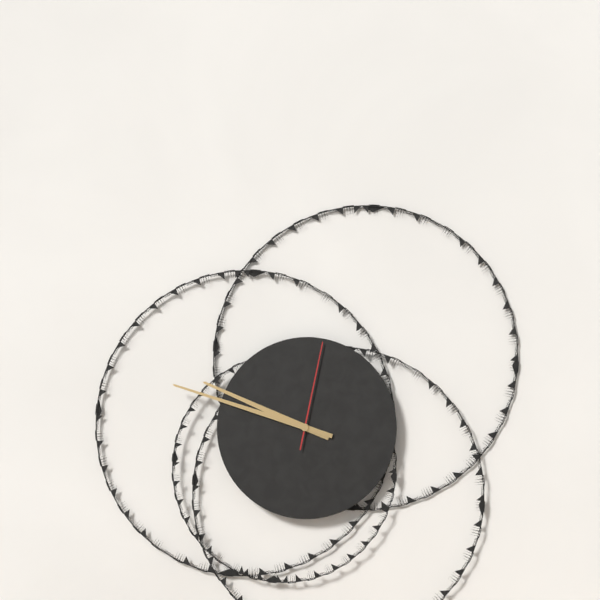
9.48.02
